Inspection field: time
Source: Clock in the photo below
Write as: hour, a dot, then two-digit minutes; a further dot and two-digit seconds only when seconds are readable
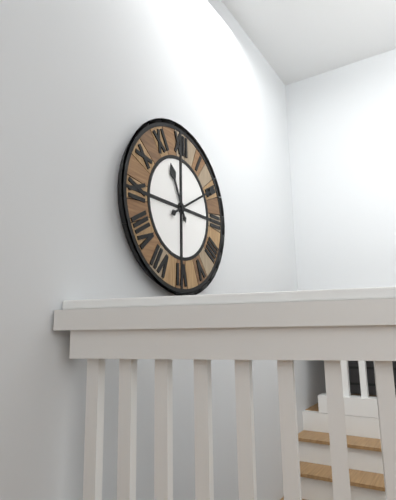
11.10
